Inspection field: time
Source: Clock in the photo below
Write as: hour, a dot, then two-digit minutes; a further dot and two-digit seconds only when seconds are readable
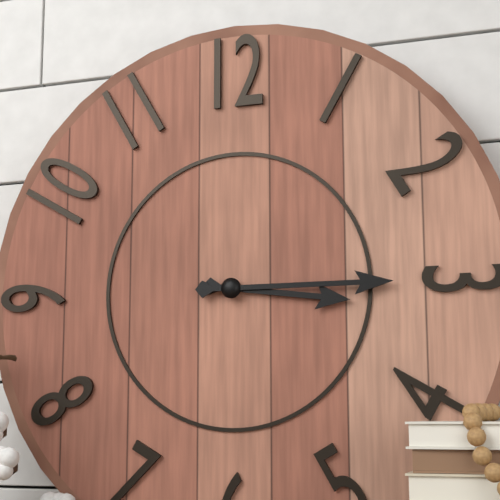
3.15
